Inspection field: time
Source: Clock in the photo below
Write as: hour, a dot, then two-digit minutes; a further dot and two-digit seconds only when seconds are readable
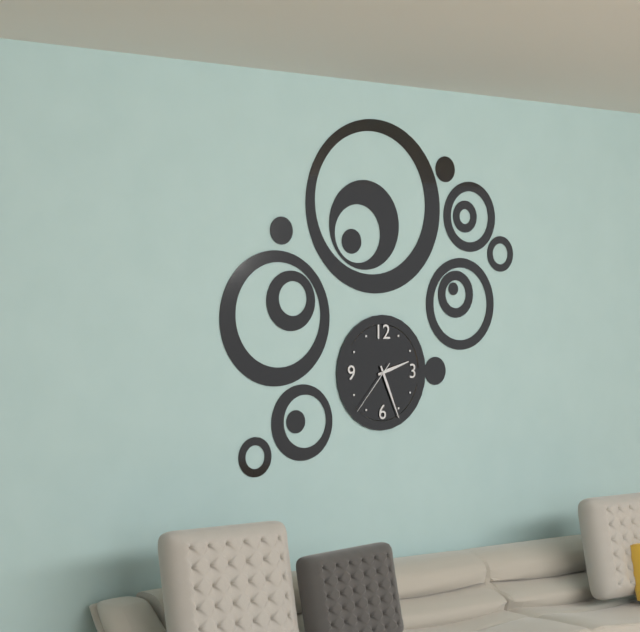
2.26.37
